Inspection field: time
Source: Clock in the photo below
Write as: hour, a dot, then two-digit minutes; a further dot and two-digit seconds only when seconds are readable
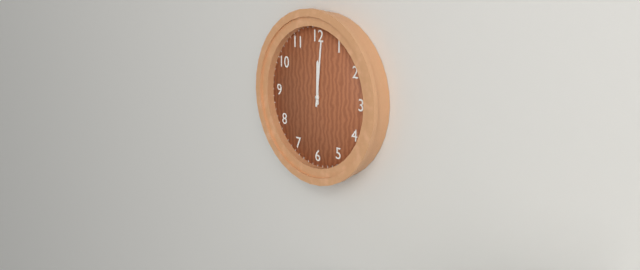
12.01
